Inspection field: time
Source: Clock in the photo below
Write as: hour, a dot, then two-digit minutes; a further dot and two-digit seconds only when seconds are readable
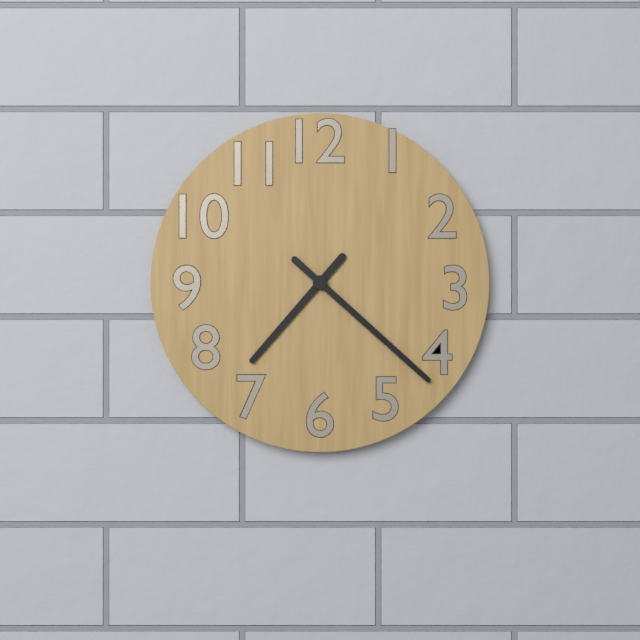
7.22
